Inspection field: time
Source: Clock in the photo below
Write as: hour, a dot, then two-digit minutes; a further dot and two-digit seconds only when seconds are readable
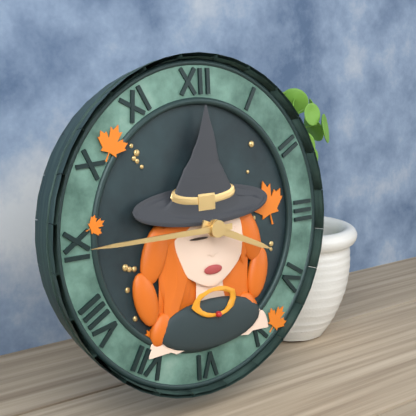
3.45
